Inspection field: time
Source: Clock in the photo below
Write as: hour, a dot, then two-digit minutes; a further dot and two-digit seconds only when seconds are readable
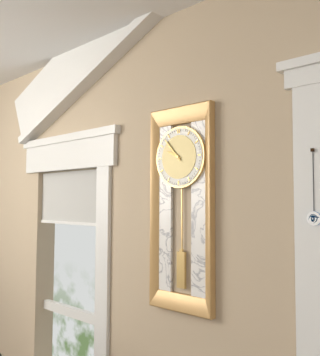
9.53
